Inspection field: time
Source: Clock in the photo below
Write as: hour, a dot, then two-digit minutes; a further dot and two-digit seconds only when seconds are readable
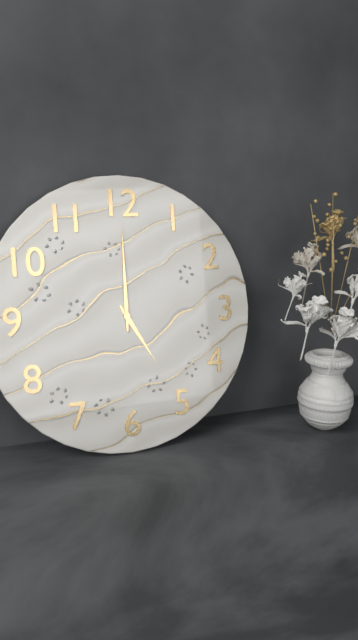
5.00
